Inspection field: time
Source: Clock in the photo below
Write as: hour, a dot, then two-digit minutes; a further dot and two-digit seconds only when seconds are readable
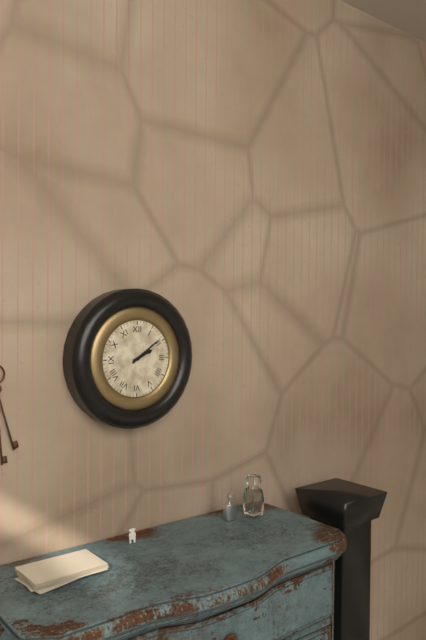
2.09
